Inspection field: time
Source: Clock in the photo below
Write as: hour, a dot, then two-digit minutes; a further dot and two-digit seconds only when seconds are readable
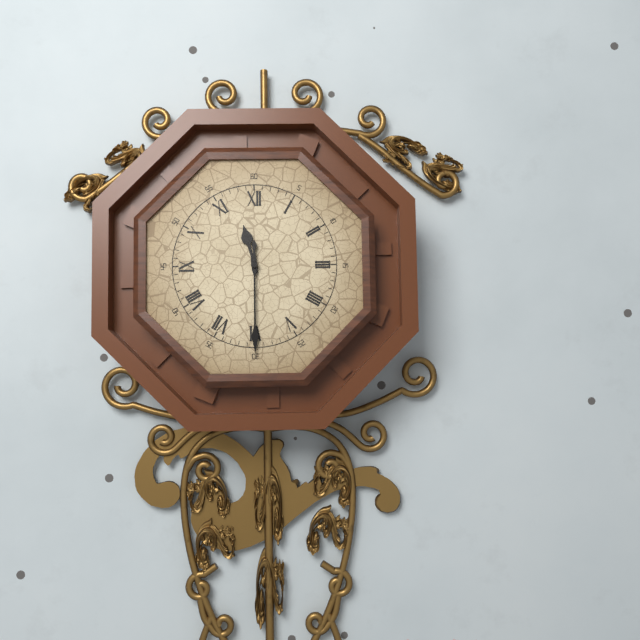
11.30
